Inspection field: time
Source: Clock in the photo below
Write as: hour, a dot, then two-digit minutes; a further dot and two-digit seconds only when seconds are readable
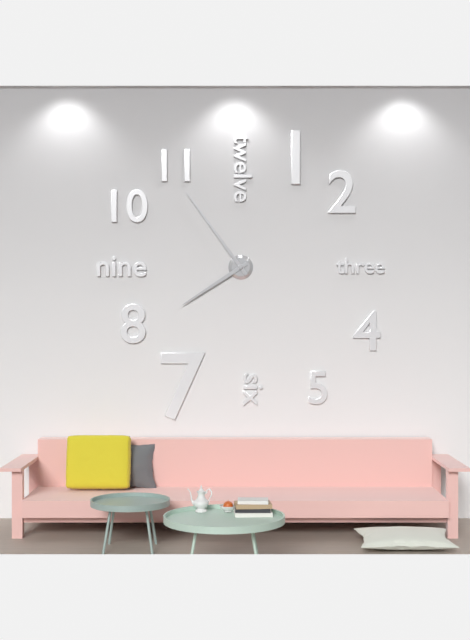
7.54
